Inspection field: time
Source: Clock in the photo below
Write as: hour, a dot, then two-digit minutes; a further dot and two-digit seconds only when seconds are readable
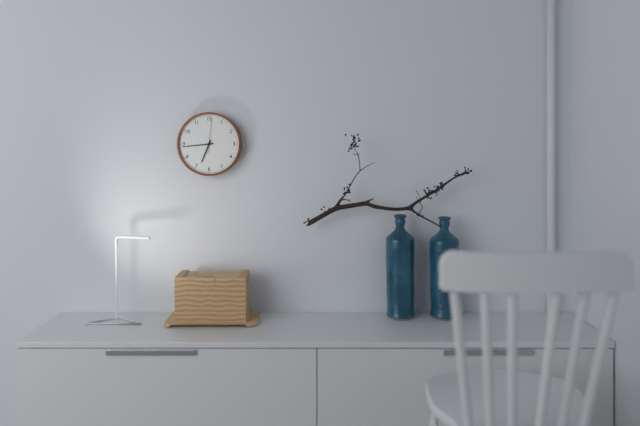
6.44
